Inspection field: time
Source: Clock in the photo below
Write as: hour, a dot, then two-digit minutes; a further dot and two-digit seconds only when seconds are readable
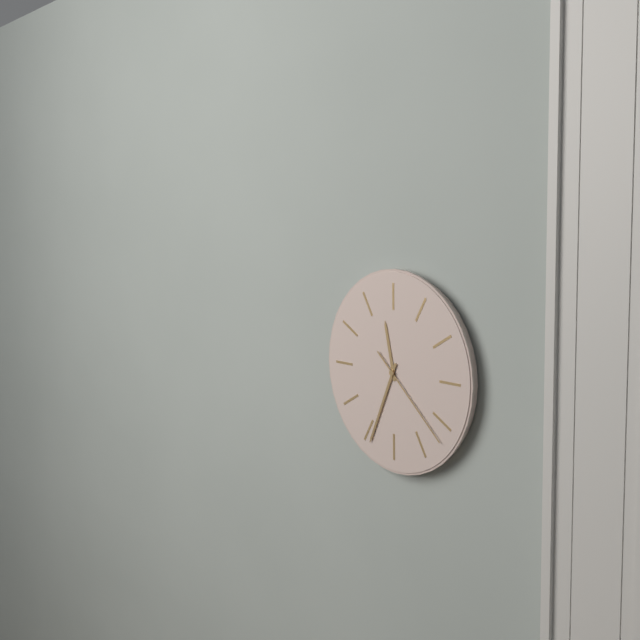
11.34.22
